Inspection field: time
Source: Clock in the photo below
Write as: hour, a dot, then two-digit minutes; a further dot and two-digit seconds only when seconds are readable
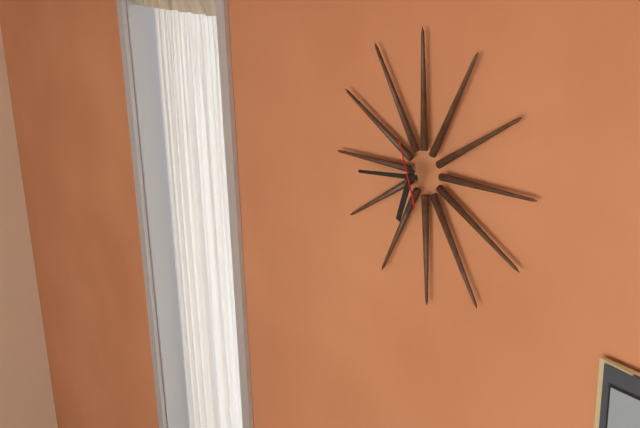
6.44
